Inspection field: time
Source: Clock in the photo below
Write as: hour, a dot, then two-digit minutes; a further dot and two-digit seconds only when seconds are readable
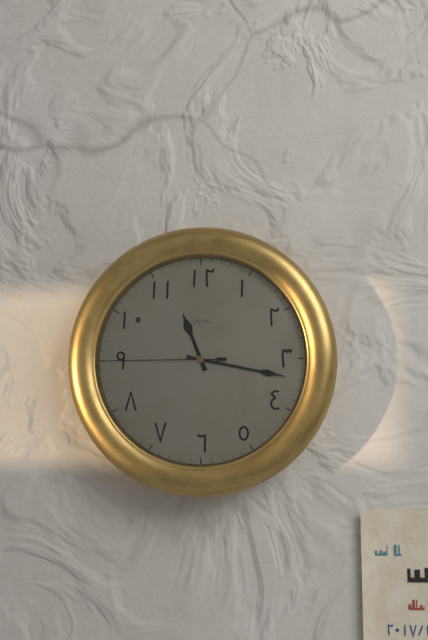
11.17.45
